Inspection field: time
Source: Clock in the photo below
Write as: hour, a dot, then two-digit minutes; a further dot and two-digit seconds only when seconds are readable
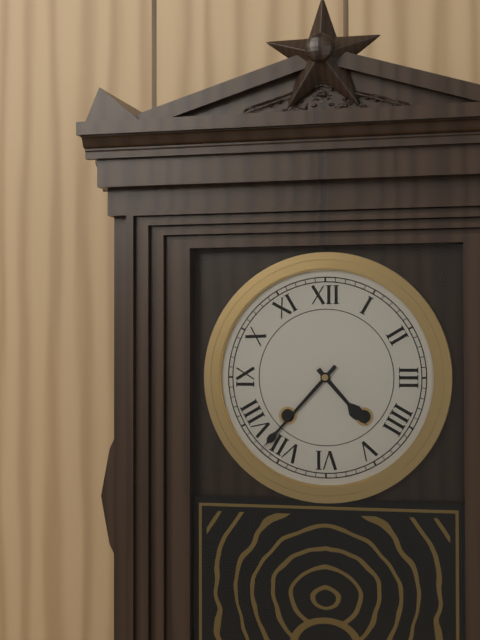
4.37
